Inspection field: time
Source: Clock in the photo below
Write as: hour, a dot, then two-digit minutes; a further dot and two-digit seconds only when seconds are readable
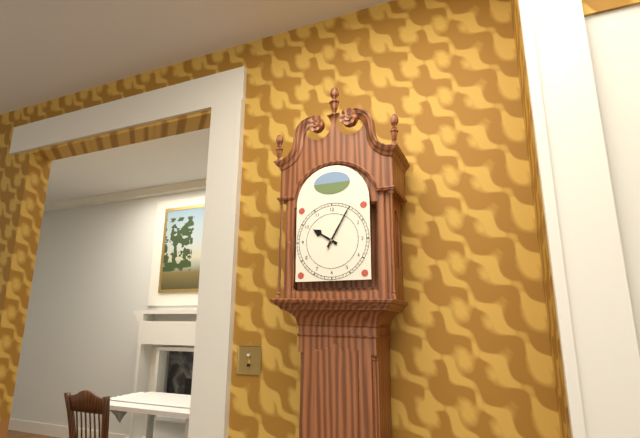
10.05
